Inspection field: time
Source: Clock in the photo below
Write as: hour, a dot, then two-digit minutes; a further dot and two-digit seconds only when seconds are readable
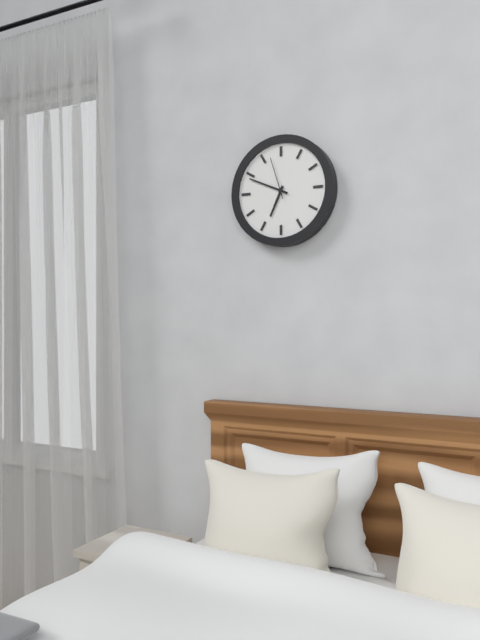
6.49
